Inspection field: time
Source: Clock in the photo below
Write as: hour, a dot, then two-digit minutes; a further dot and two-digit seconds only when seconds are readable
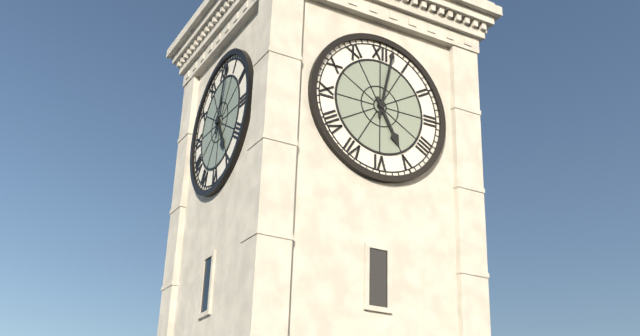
5.02
